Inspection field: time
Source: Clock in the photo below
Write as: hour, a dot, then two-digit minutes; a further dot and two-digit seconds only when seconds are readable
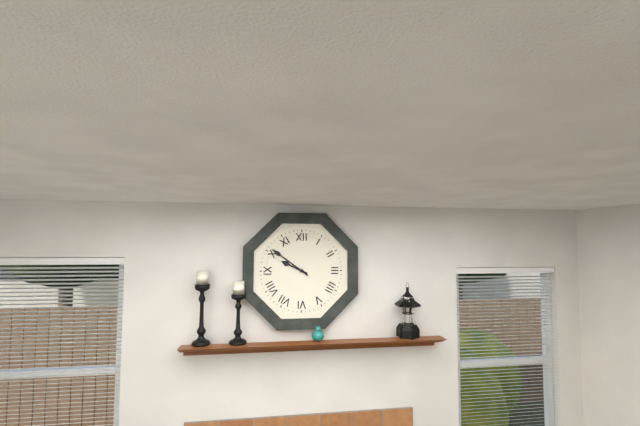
9.51
